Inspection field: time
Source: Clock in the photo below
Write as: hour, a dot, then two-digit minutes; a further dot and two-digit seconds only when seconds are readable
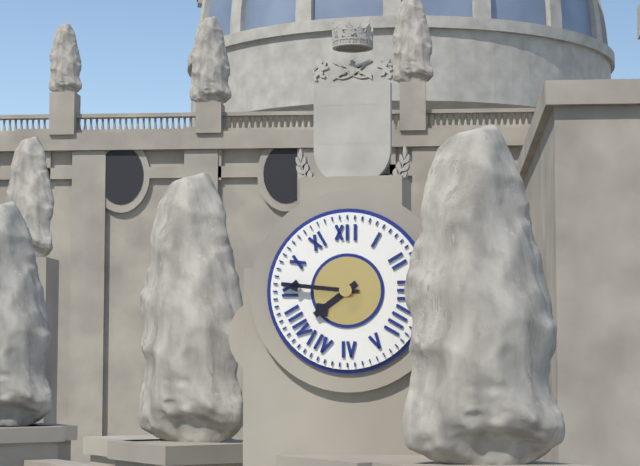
7.46
